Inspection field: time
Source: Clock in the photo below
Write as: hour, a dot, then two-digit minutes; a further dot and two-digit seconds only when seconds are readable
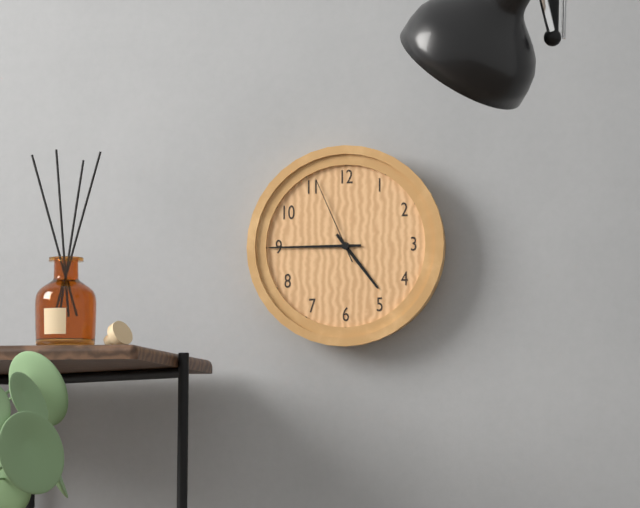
4.45.56
